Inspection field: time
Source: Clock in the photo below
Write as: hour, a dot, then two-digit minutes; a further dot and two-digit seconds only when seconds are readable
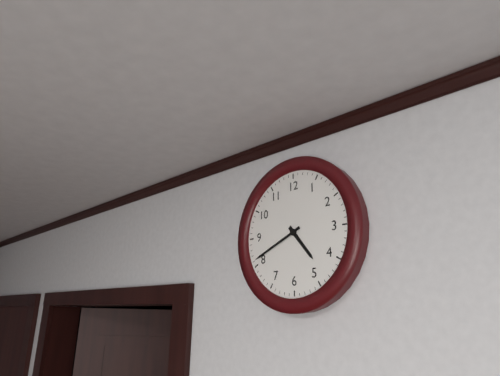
4.41
